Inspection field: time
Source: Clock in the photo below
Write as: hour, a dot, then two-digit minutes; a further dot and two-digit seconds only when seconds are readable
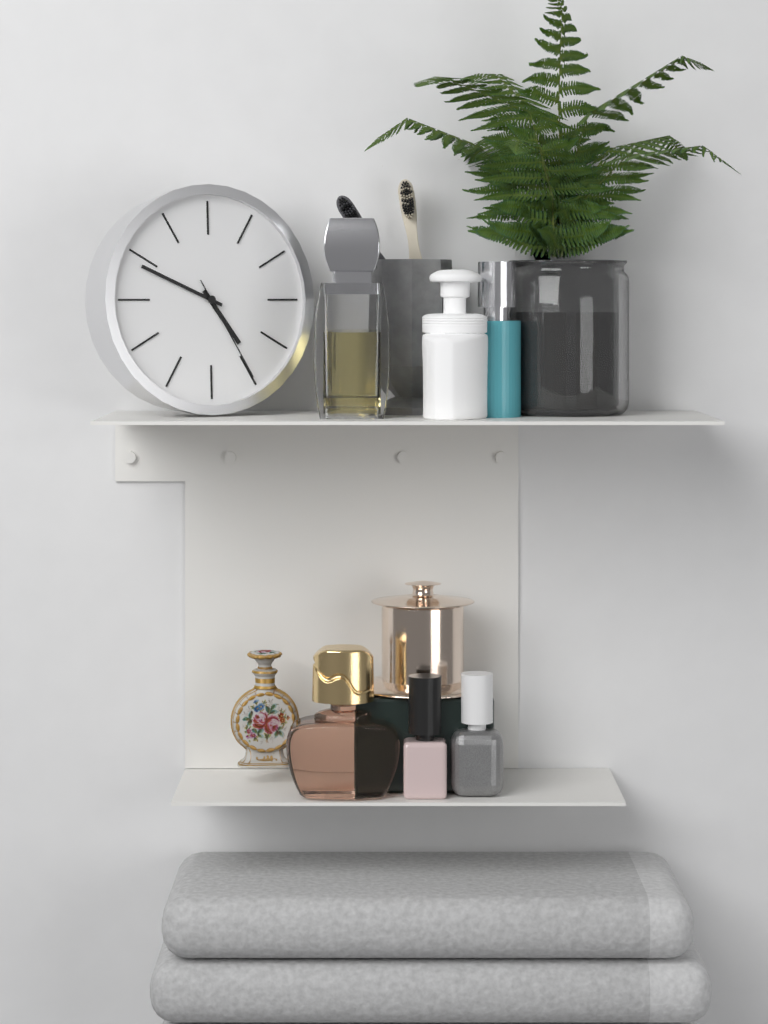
4.49.25
